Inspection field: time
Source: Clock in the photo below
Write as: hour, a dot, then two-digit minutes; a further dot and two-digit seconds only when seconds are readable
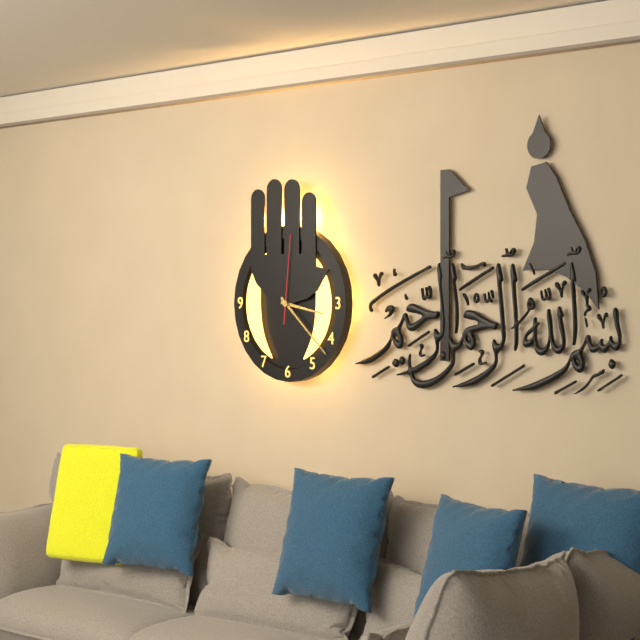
3.22.01
